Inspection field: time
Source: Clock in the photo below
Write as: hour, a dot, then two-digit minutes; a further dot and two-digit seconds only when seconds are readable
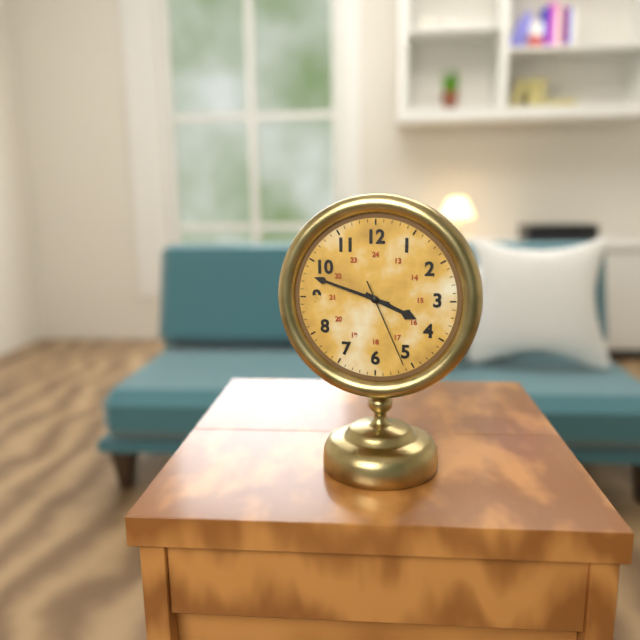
3.48.26
